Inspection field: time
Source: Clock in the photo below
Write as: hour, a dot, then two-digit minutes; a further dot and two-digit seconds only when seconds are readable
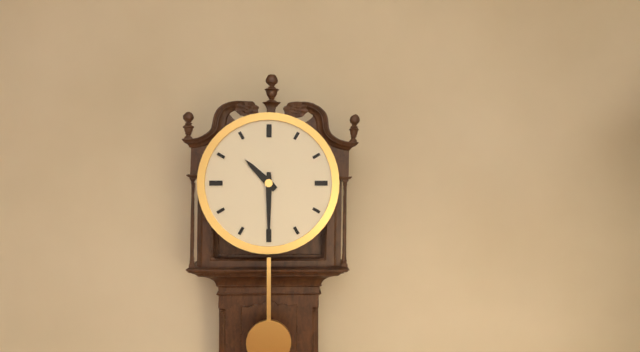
10.30
